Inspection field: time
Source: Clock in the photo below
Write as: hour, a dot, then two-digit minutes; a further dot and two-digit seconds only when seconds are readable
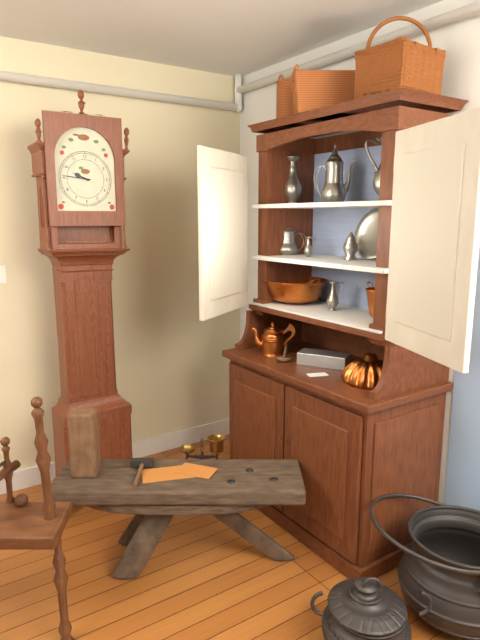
9.46
